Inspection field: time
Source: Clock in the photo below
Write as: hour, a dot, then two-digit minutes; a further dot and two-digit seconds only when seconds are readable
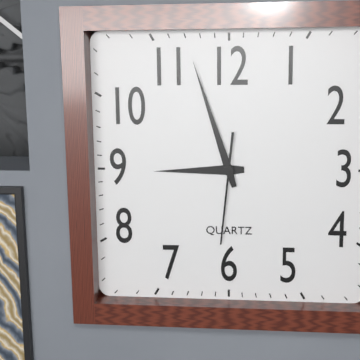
8.57.31
